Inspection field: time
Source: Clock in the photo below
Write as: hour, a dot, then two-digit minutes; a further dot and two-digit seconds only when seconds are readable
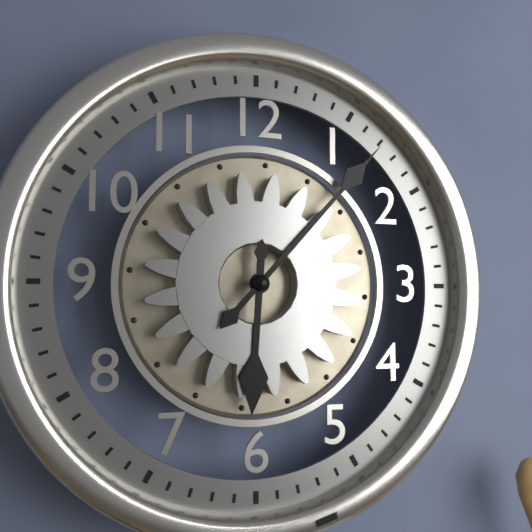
6.07
